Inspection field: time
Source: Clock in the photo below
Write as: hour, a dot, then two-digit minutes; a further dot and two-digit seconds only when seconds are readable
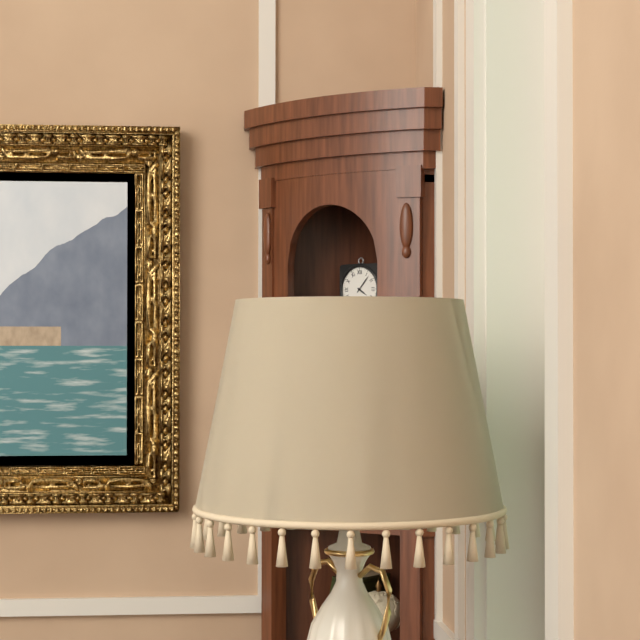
4.07
